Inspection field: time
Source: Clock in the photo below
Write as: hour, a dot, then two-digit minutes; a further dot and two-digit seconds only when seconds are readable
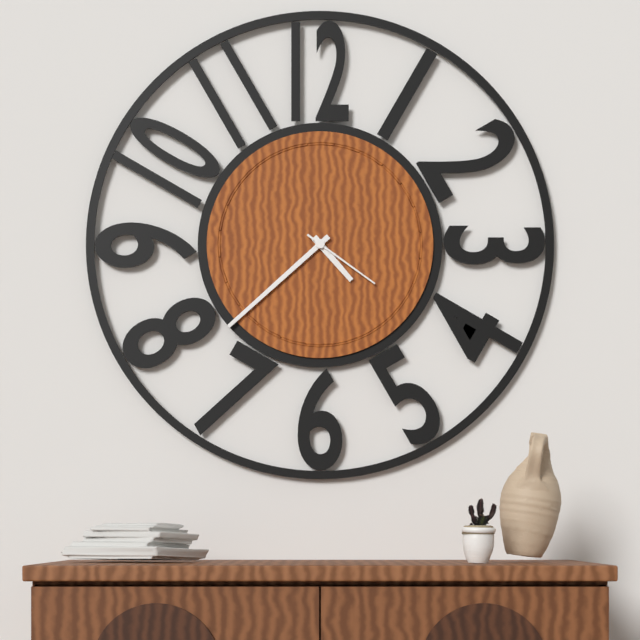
4.38.21
